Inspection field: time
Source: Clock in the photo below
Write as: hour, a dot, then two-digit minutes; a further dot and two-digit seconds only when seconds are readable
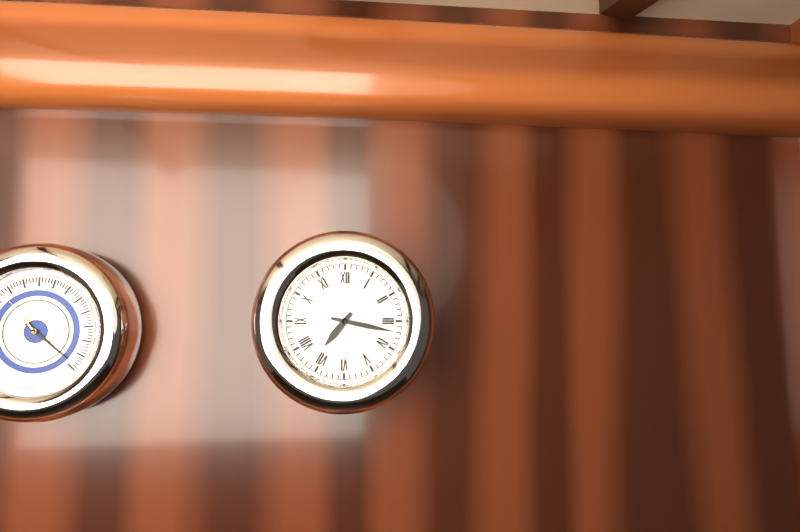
7.17
